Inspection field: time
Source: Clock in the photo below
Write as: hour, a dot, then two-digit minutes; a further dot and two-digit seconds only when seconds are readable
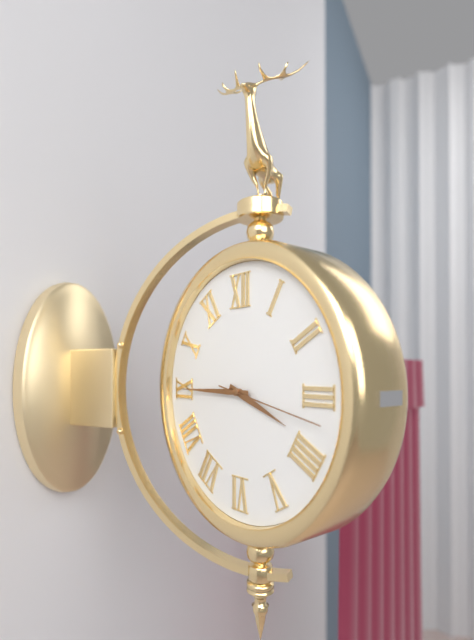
3.45.17
